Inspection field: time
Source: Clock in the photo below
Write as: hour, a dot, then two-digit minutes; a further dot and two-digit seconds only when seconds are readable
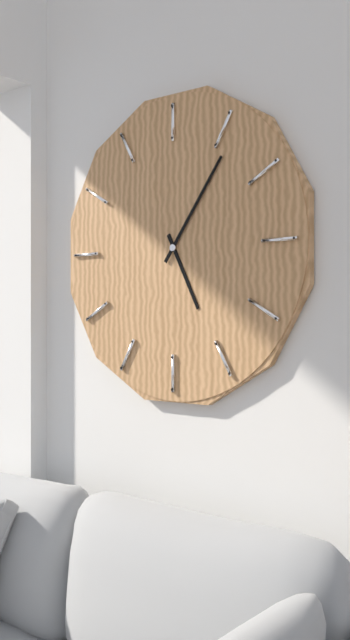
5.06
